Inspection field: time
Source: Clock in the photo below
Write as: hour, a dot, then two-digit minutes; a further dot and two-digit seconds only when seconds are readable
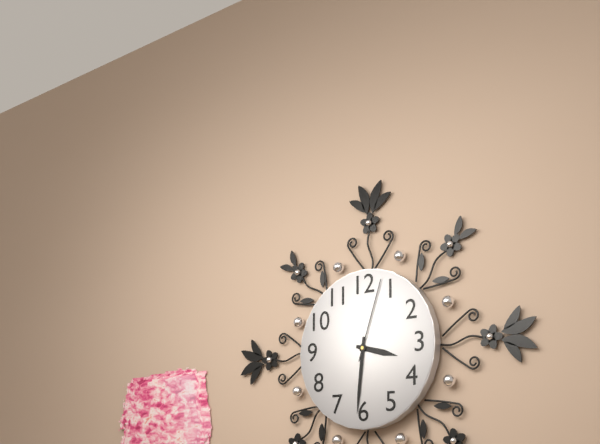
3.31.03
